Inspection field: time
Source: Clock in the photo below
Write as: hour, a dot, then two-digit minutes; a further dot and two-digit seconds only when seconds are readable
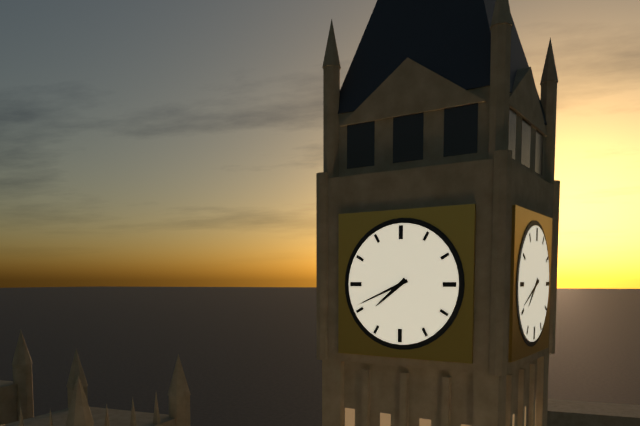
7.41
